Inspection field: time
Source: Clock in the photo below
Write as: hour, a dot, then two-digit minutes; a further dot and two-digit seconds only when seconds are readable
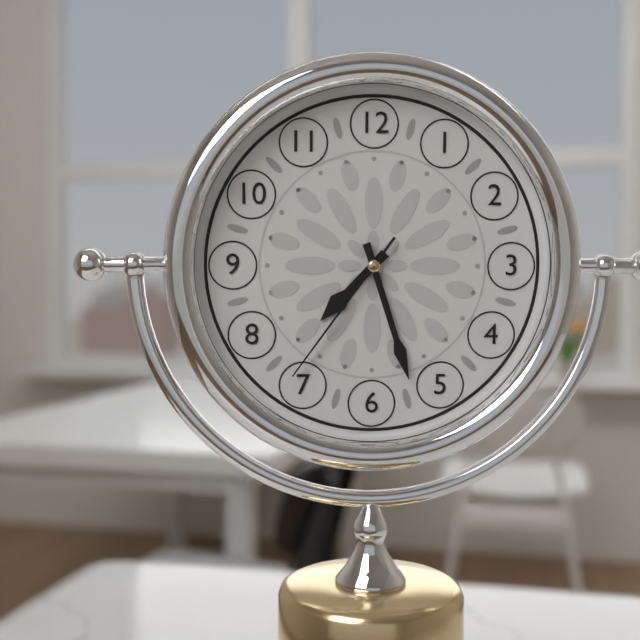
7.27.36
